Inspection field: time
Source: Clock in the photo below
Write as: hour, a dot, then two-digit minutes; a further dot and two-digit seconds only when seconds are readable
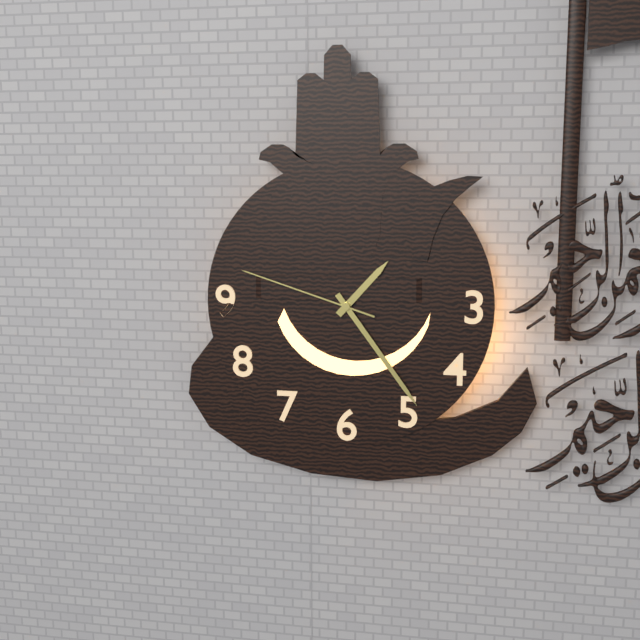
1.24.48
